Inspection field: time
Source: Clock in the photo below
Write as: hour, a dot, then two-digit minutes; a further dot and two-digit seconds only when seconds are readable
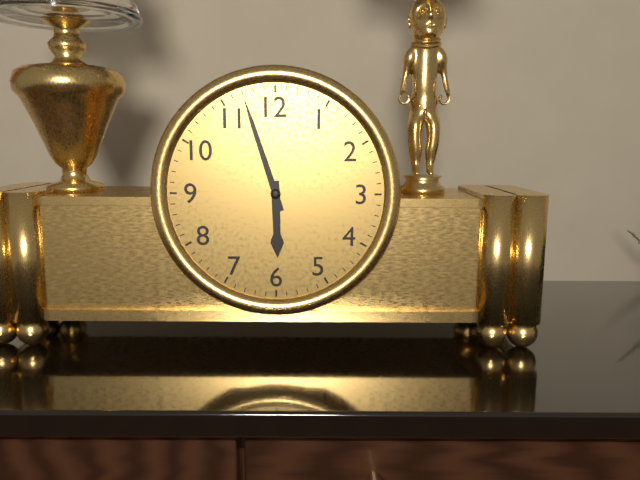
5.57
